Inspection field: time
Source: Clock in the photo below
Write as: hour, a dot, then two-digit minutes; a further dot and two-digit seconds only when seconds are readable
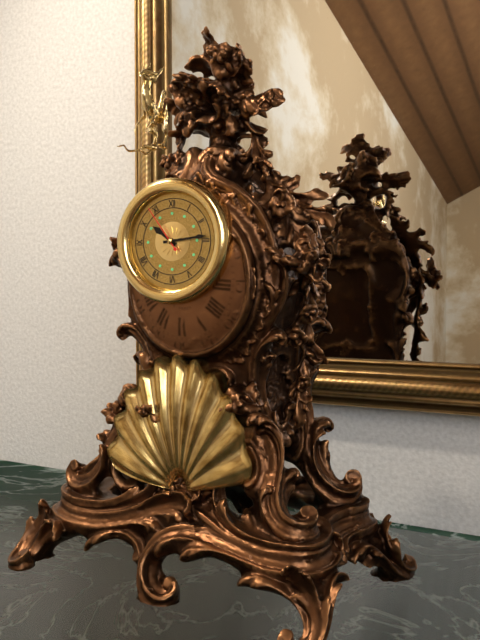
10.14.54
